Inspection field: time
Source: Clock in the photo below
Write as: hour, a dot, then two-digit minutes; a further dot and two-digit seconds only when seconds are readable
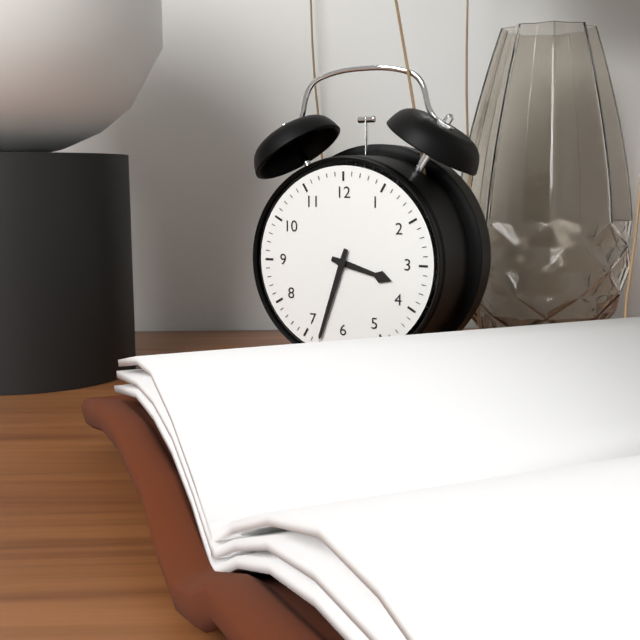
3.33
